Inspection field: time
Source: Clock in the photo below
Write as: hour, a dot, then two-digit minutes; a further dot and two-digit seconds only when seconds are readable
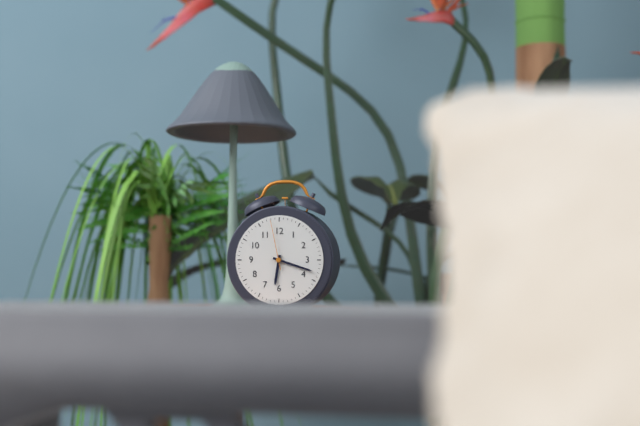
6.18.58
